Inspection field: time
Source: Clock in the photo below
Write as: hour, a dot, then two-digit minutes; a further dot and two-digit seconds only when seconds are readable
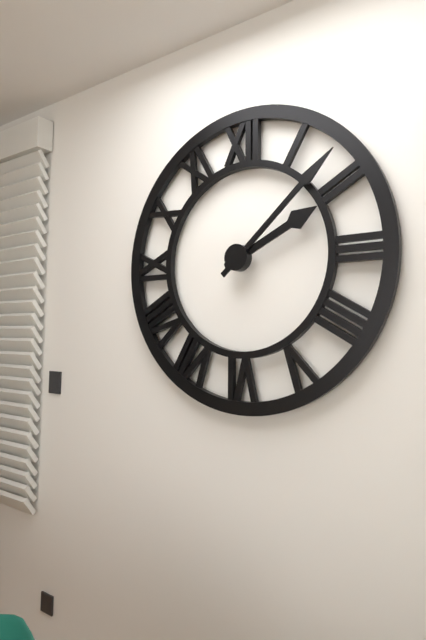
2.08
